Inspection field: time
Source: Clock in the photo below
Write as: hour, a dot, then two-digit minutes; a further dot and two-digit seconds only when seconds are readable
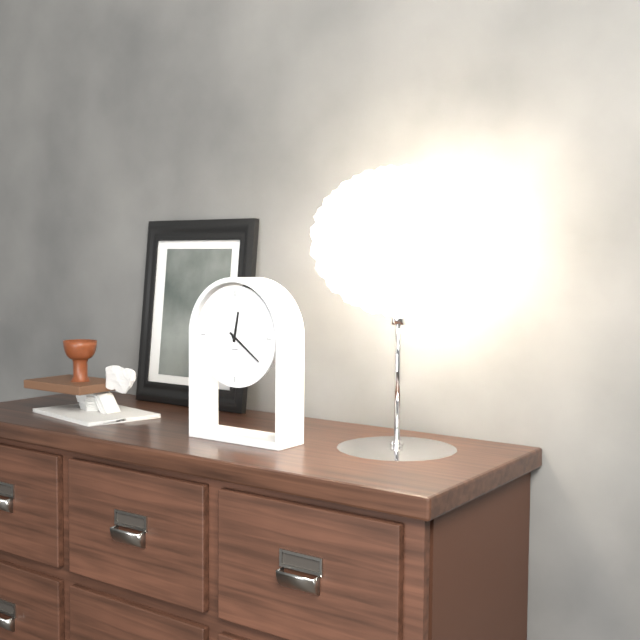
12.21
